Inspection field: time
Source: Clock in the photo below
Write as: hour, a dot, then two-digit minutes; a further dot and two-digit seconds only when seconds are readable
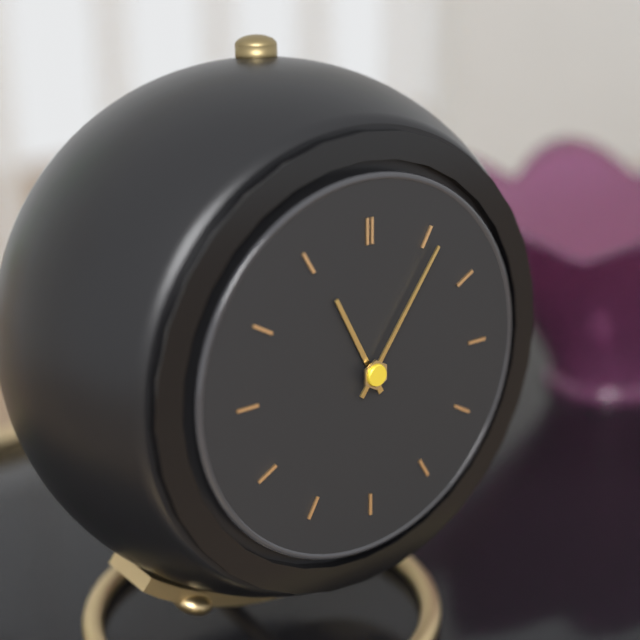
11.06
